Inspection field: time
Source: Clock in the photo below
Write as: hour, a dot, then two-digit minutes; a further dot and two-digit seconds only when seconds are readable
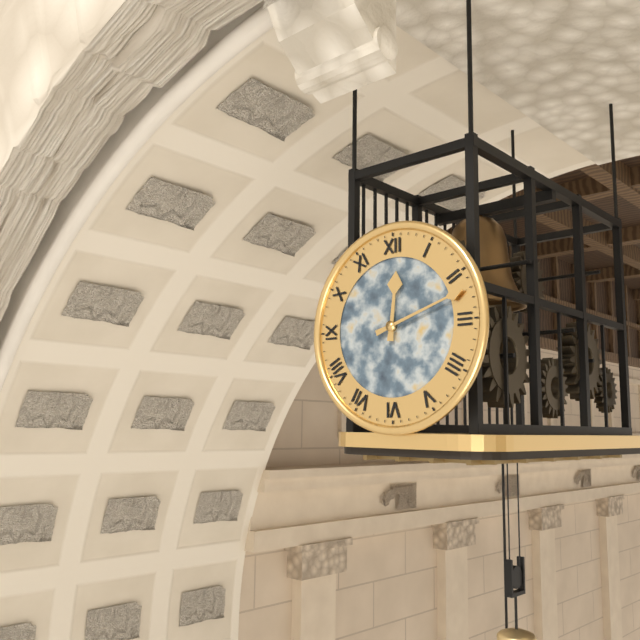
12.12
